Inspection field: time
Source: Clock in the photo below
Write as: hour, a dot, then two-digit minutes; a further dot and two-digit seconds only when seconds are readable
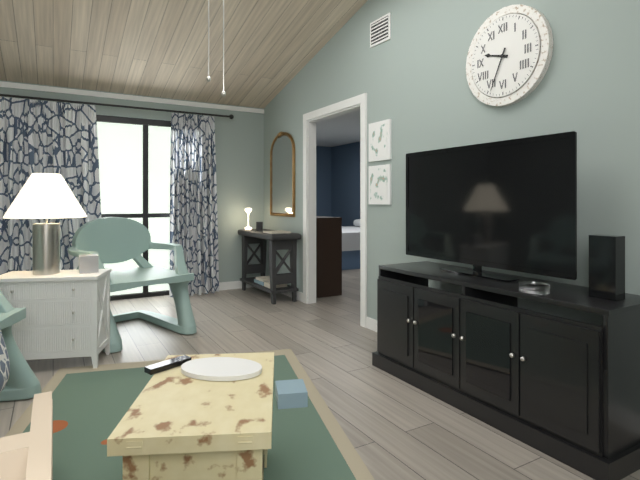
9.34
